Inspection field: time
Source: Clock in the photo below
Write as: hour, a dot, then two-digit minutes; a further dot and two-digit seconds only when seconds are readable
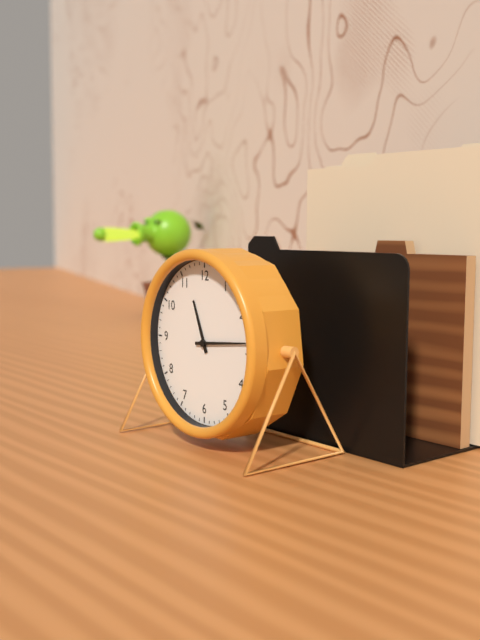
11.14
